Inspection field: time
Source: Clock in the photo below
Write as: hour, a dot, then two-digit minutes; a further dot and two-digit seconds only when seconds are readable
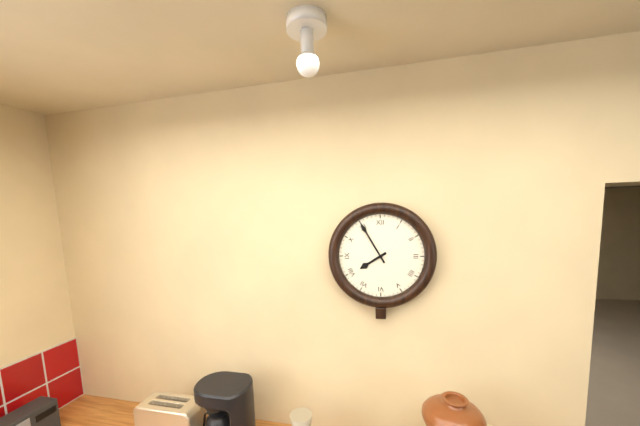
7.55
